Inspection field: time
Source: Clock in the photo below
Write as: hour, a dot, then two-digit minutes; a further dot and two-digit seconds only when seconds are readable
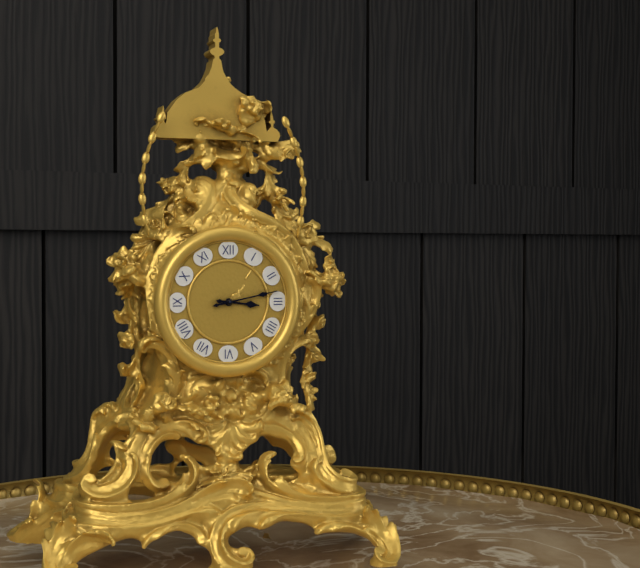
3.13
